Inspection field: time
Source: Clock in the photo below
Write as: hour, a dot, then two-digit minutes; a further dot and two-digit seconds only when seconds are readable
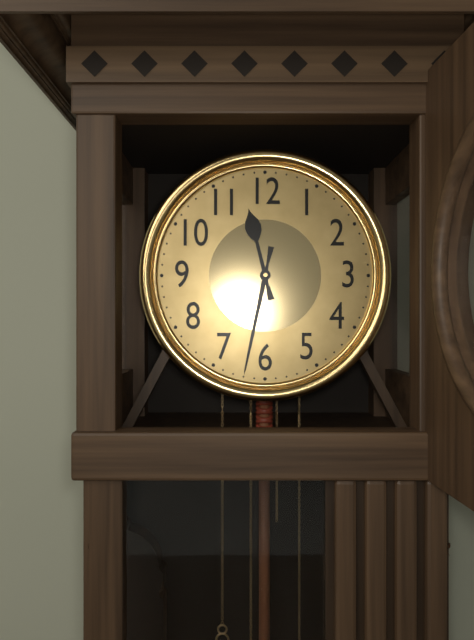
11.32
